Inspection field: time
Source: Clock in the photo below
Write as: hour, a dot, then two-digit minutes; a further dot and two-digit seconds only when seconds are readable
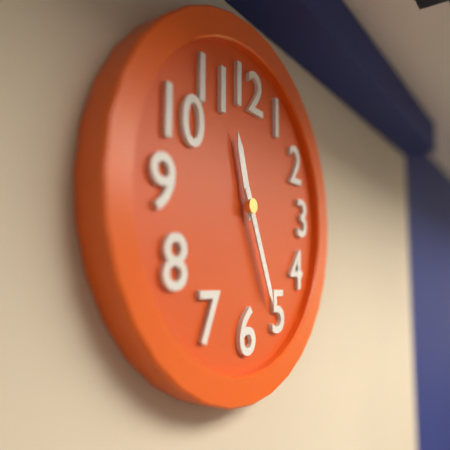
11.26
